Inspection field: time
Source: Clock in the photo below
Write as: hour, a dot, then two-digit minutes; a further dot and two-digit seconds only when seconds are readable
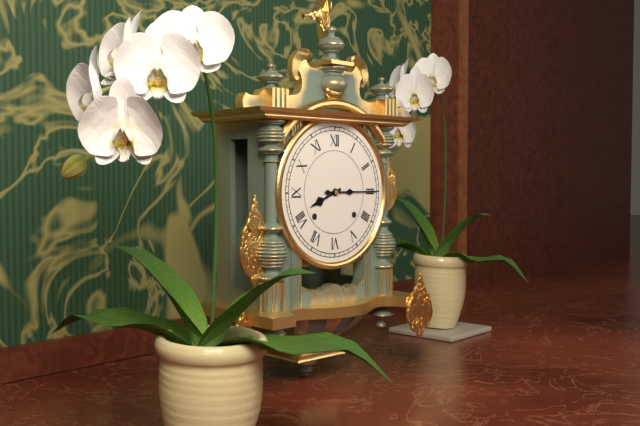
8.15
